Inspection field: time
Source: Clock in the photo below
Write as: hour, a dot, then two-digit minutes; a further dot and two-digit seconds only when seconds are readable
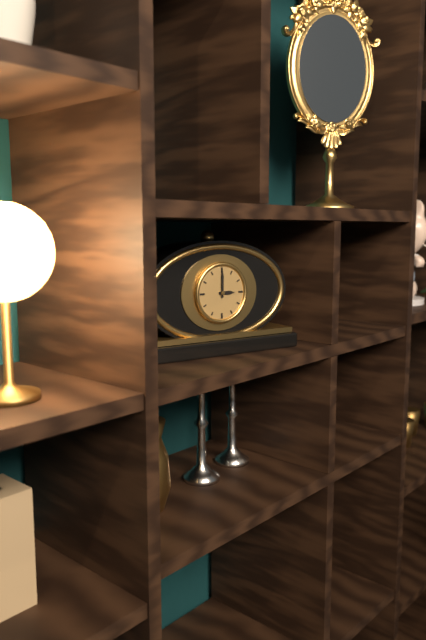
3.00
